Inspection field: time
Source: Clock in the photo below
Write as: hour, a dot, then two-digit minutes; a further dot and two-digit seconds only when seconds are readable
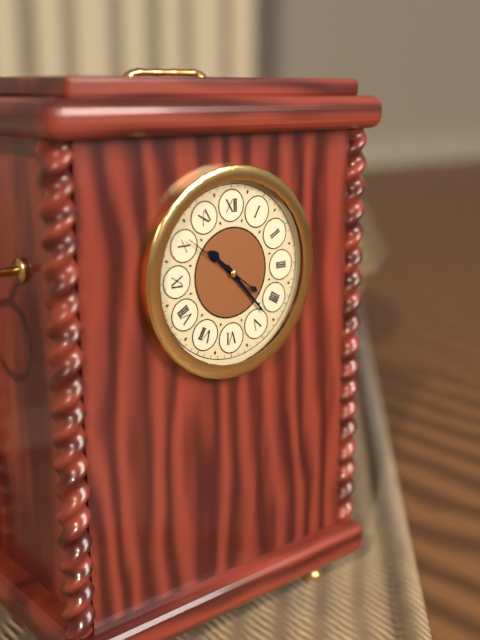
10.23.51
